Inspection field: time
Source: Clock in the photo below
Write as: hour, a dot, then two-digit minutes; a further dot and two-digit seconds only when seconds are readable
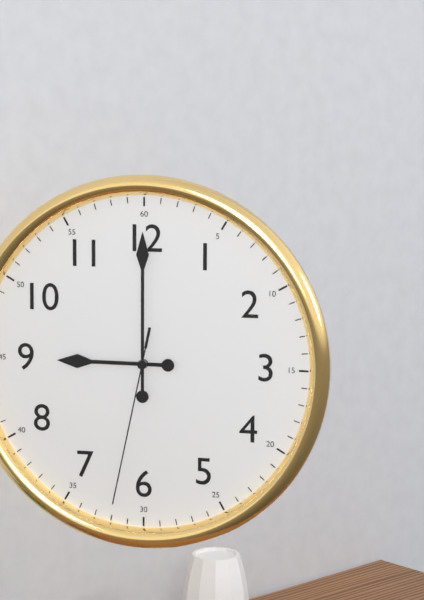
9.00.32
